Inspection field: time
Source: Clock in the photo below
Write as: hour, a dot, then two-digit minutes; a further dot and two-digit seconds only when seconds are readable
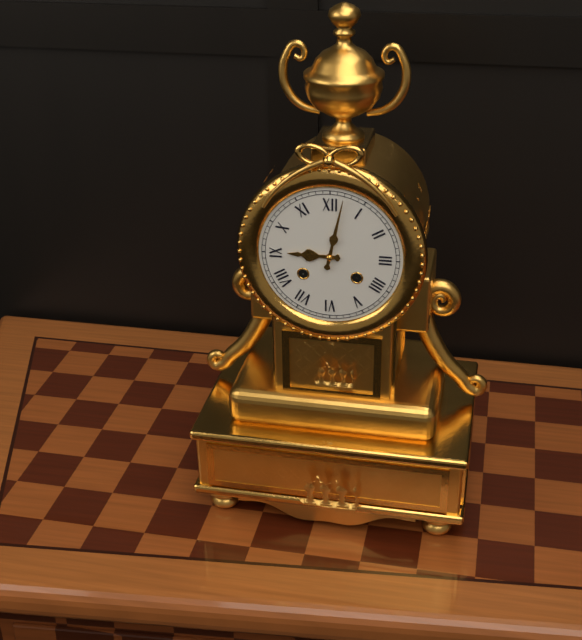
9.02
